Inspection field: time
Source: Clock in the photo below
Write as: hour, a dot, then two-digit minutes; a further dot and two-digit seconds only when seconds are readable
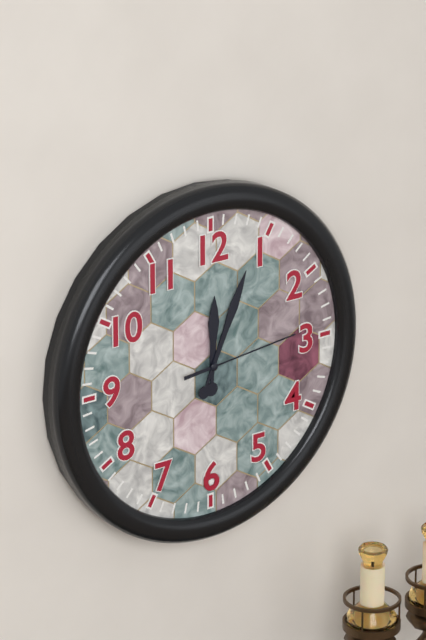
12.04.14
